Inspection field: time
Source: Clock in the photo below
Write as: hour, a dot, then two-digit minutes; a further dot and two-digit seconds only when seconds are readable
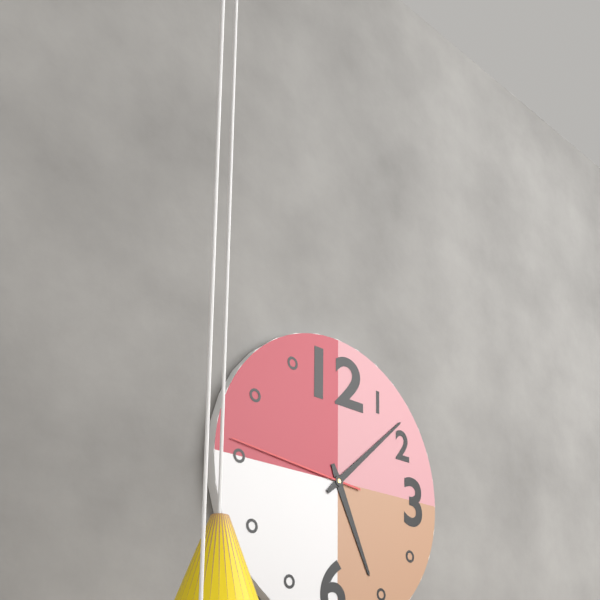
5.08.46
